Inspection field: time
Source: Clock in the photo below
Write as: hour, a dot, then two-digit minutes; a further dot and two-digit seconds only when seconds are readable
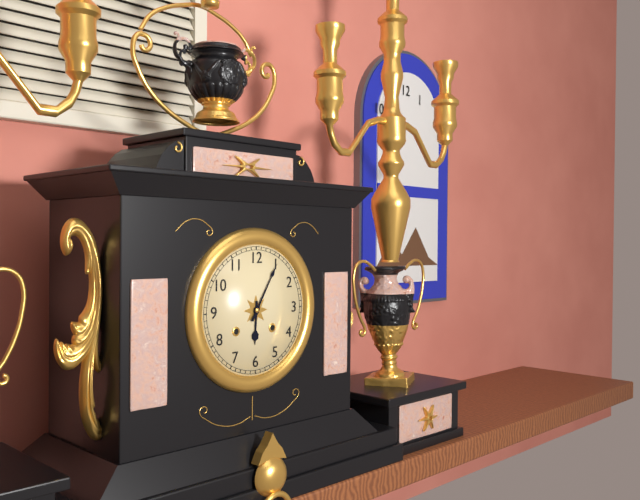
6.05
